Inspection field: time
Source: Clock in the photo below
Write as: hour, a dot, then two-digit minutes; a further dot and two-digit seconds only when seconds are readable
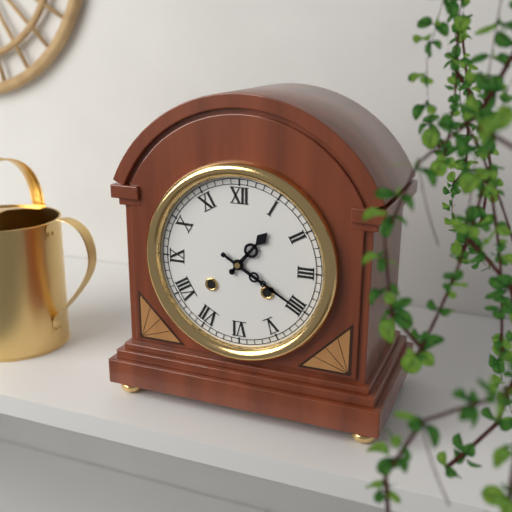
1.20
